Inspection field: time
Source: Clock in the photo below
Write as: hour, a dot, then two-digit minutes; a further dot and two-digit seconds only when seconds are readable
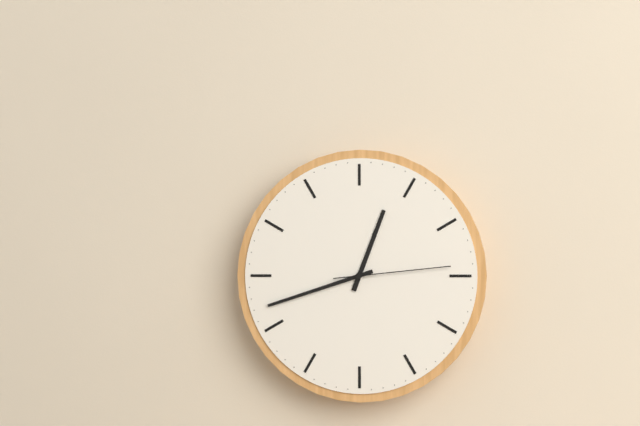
12.42.14
